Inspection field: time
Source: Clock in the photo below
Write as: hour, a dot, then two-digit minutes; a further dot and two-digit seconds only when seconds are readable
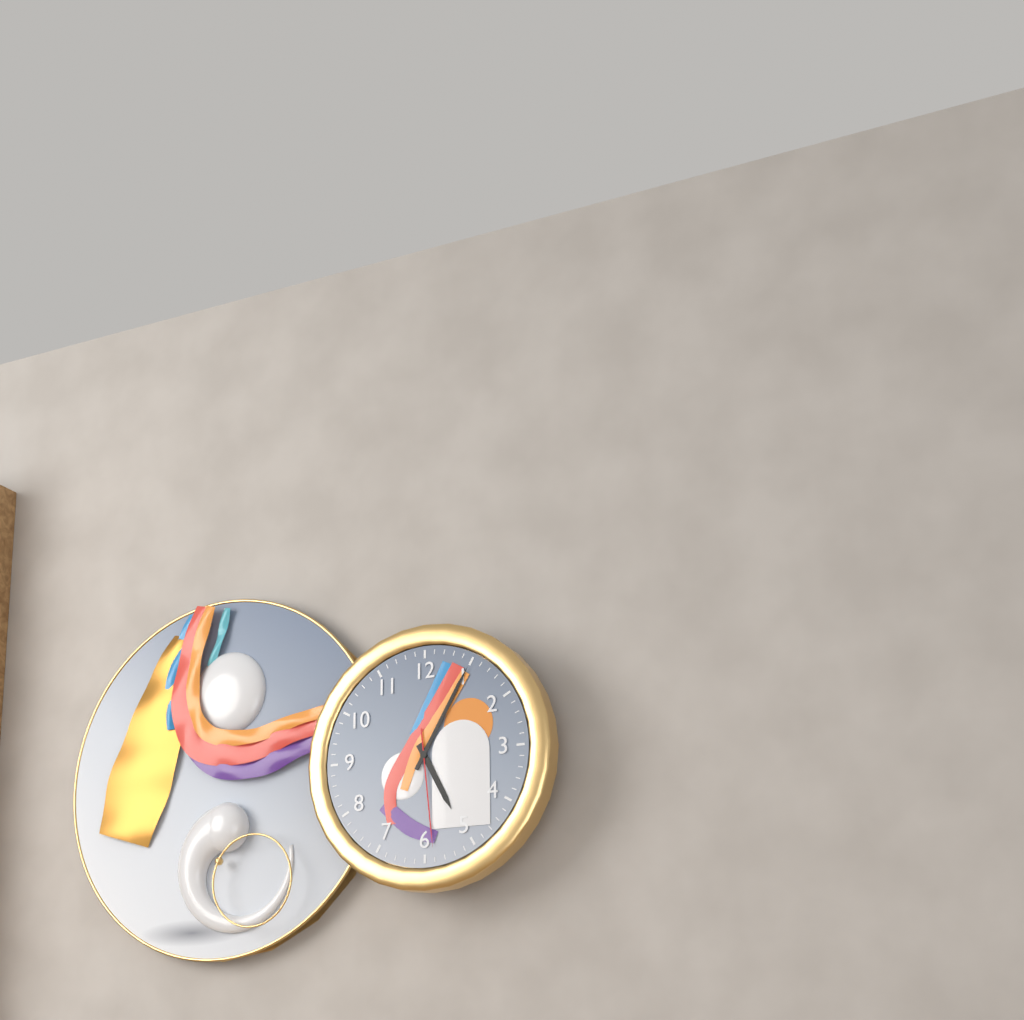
5.05.29
